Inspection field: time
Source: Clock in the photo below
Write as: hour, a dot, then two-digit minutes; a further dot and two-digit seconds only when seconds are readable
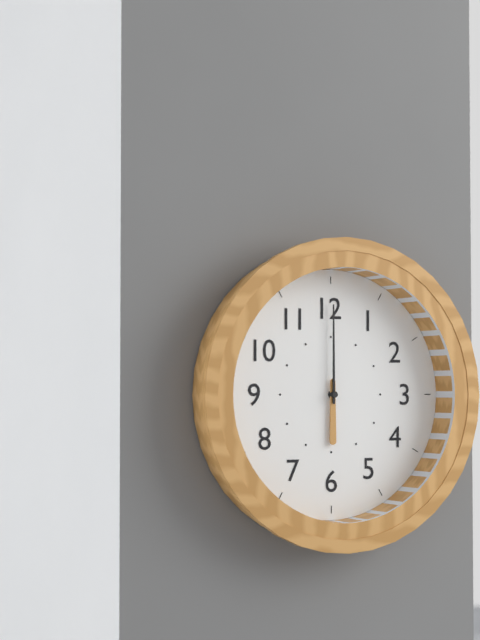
6.00
